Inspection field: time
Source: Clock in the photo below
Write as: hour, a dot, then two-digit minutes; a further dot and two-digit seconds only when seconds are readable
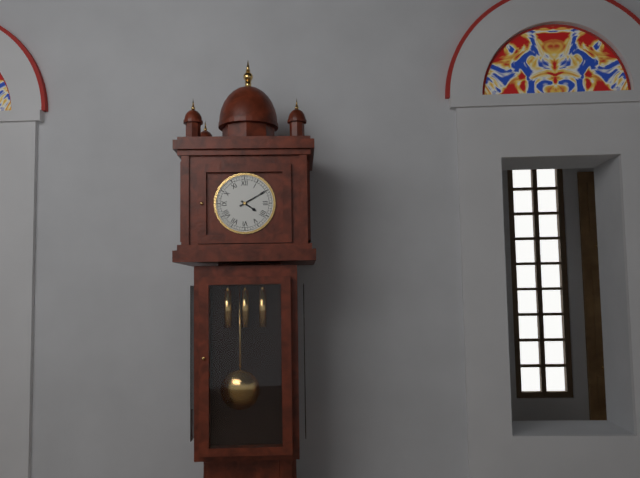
4.10
